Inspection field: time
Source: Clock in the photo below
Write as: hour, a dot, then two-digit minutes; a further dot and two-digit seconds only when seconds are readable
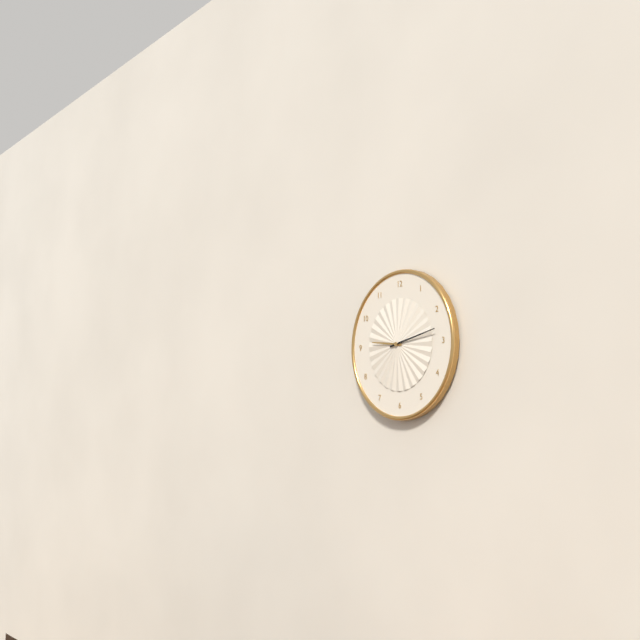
9.13
